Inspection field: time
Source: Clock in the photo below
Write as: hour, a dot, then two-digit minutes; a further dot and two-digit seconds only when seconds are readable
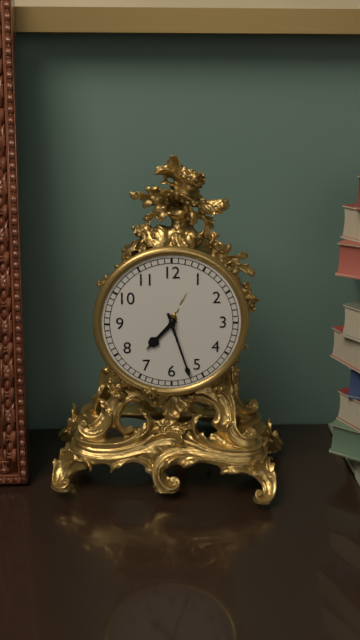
7.27
